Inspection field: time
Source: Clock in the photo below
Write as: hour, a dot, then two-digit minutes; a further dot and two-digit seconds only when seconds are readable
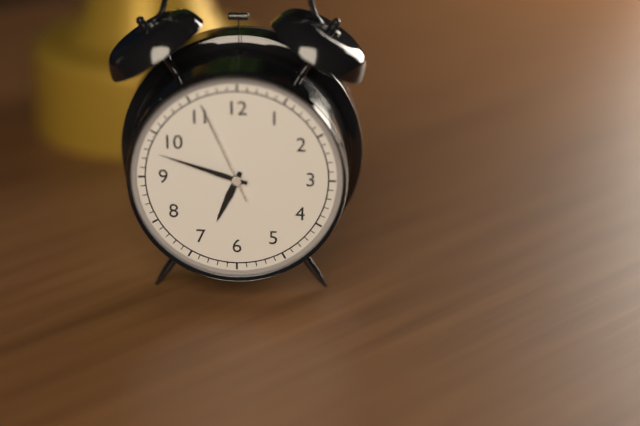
6.48.56
